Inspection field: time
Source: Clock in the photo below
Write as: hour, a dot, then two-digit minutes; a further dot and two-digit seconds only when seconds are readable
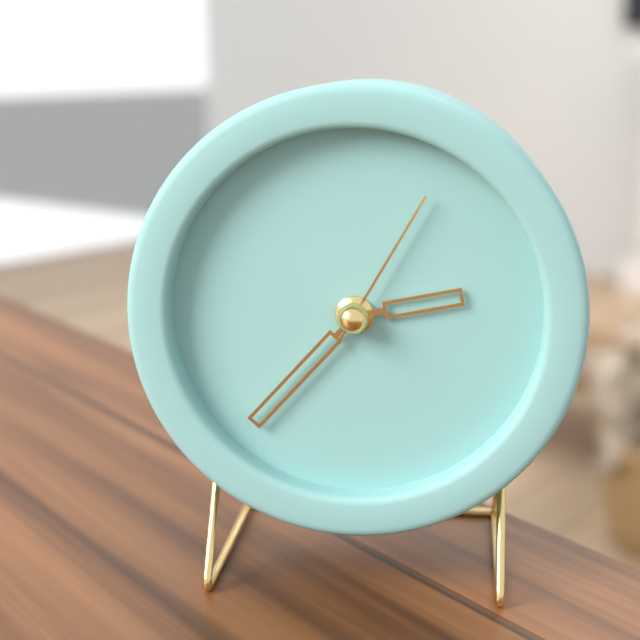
2.37.05
